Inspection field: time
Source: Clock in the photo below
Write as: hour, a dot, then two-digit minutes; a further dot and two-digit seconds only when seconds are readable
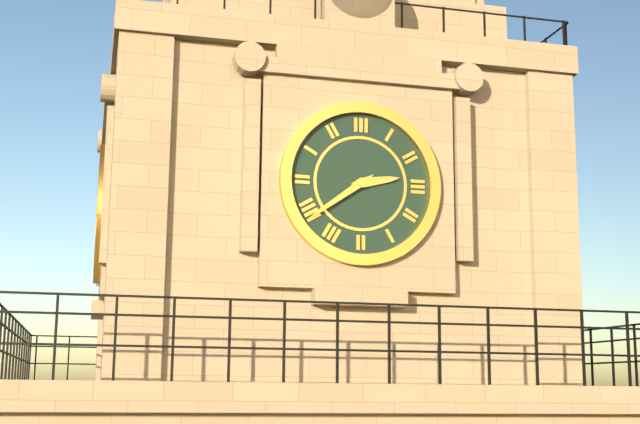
2.39
